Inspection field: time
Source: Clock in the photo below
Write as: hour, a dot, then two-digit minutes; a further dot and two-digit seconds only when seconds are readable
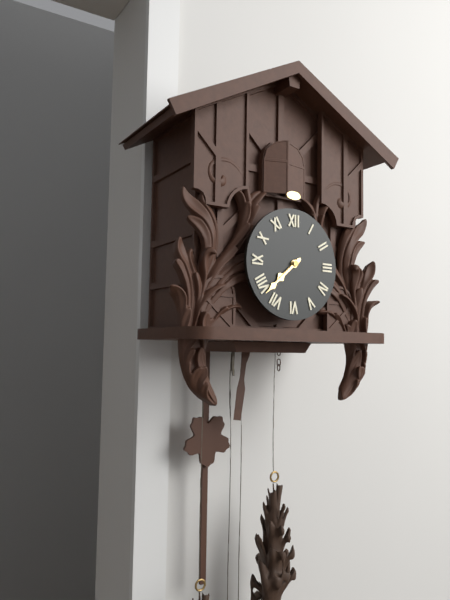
7.38
